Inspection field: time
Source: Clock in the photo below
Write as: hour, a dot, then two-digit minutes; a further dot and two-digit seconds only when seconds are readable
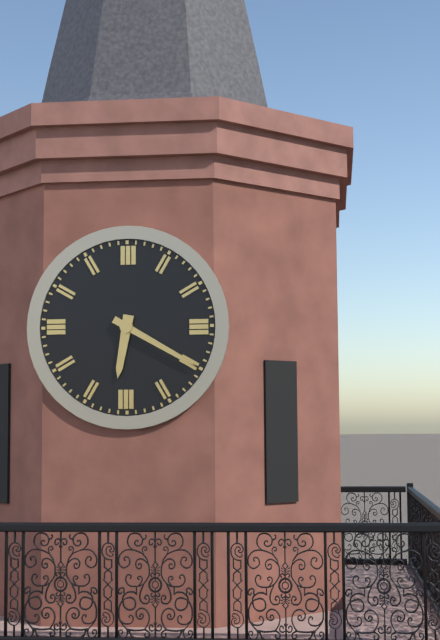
6.20
